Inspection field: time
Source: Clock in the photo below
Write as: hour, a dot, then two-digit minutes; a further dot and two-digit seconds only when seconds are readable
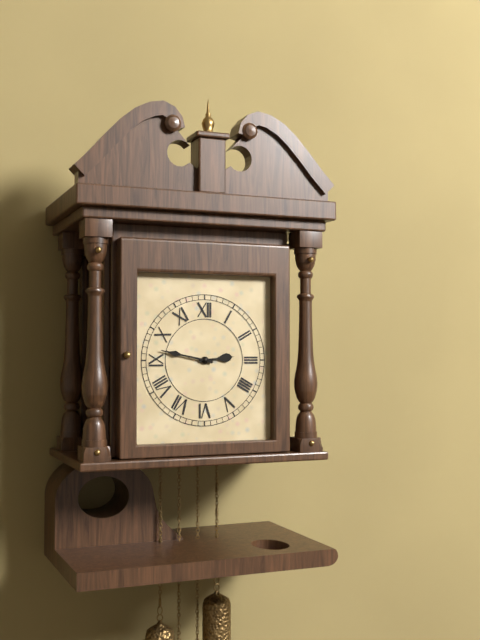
2.47
